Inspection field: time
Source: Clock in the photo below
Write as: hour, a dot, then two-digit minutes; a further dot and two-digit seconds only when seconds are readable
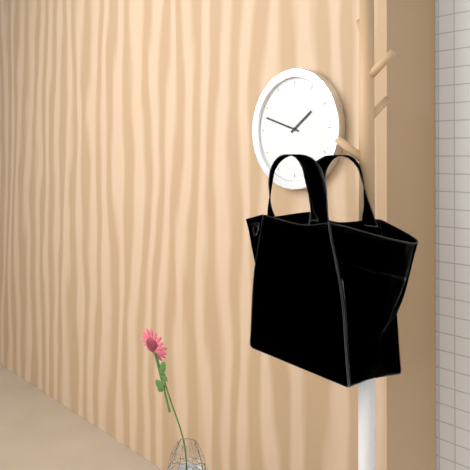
1.48
